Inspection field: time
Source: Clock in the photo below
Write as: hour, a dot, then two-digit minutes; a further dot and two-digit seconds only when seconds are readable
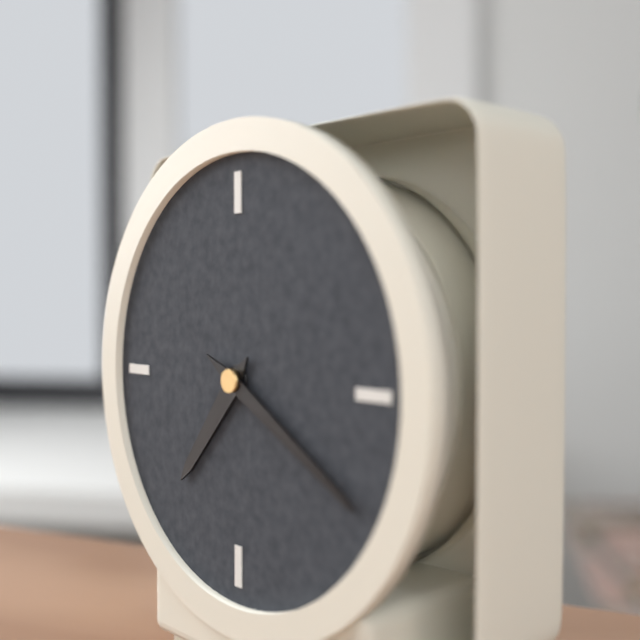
7.20
